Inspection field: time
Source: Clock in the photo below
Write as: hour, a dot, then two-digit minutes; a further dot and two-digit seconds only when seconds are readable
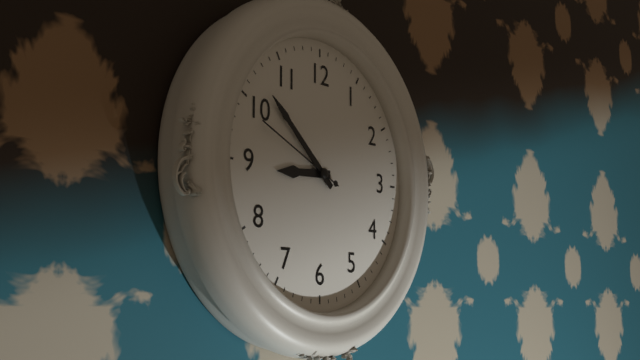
8.52.49
